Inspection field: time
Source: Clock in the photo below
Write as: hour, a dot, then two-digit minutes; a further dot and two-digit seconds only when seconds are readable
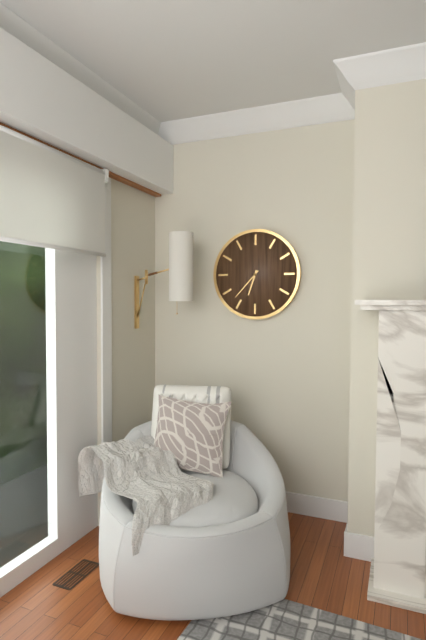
6.37
